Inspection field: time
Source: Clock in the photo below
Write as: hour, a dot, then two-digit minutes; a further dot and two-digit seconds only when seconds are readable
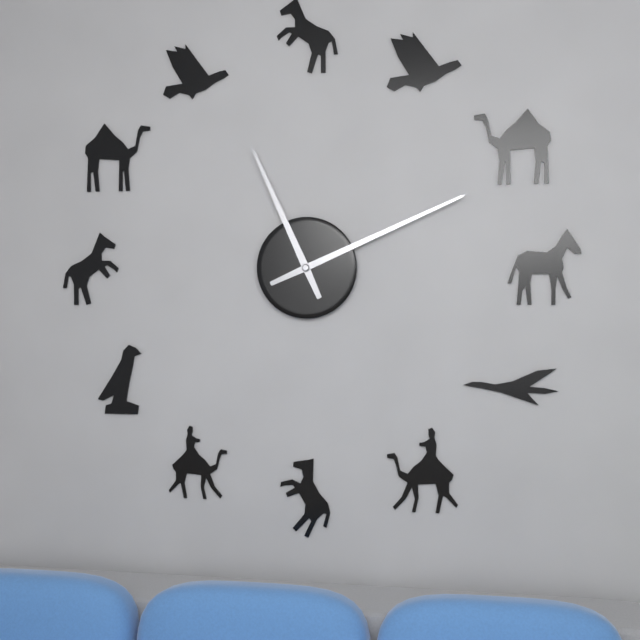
11.11
